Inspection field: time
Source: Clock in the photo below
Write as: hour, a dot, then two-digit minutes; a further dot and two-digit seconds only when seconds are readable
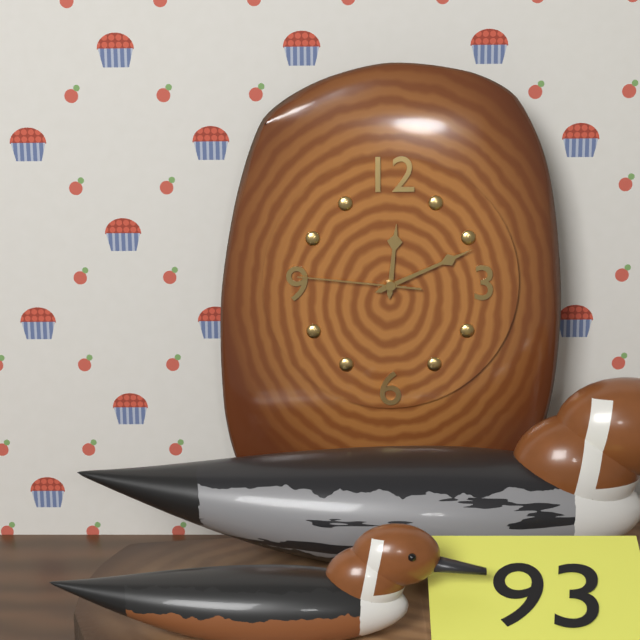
12.11.46
